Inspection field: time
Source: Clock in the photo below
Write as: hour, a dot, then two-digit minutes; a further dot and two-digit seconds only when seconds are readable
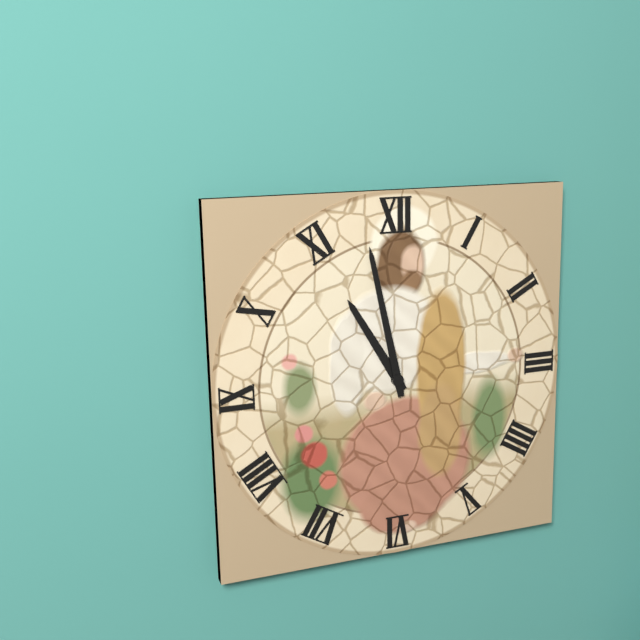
10.58
